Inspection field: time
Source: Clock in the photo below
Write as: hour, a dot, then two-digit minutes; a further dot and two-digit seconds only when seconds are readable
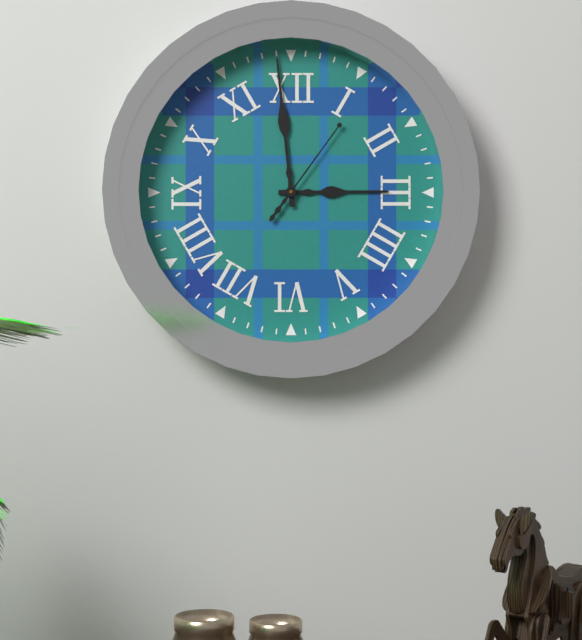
2.59.06
